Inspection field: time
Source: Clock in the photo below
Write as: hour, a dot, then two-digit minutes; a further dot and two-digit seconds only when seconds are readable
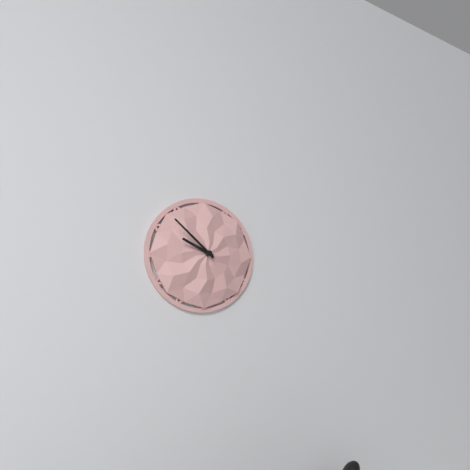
9.52
